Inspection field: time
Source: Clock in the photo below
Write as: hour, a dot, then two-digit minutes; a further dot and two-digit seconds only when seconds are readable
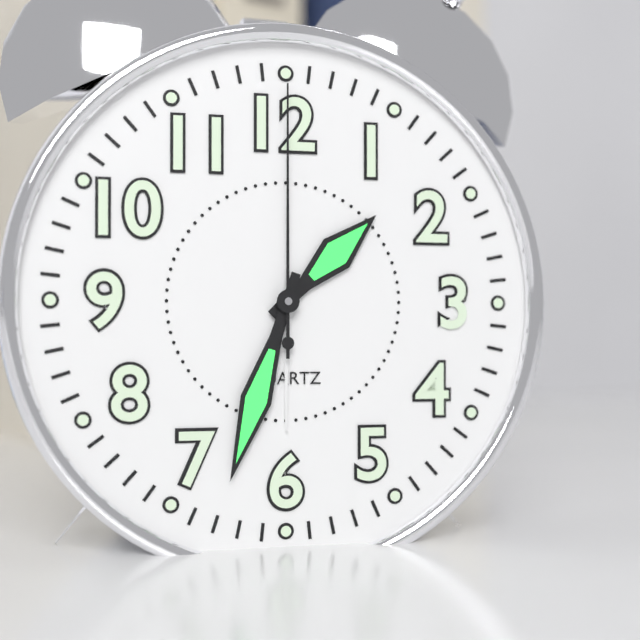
1.33.00
